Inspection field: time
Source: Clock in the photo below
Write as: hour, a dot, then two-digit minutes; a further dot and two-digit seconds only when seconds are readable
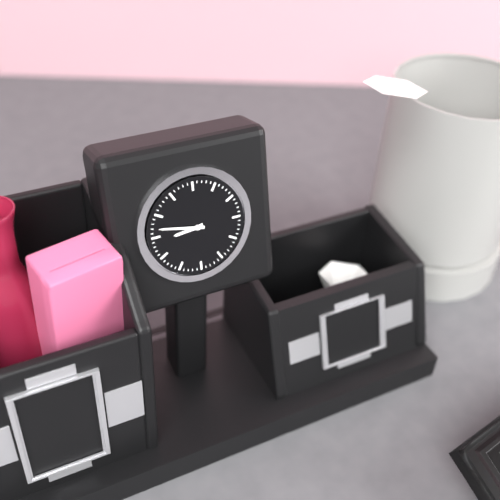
8.47
